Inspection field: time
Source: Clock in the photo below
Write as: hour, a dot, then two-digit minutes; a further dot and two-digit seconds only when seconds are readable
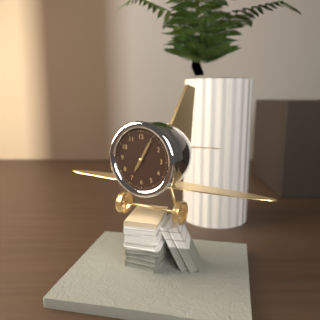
7.05
